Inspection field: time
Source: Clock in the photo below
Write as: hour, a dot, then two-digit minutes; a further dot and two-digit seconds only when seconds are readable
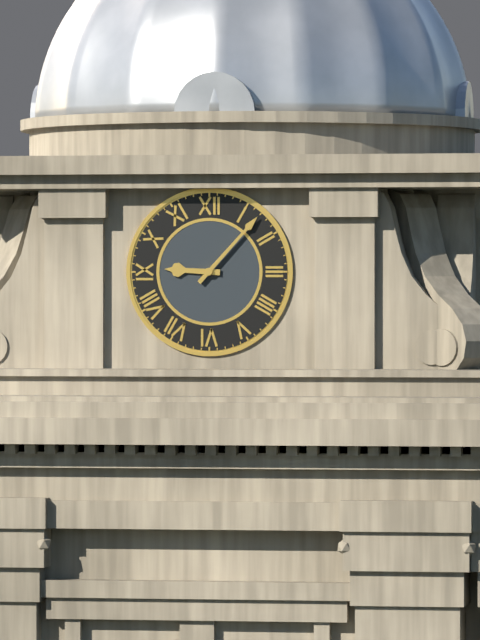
9.07
